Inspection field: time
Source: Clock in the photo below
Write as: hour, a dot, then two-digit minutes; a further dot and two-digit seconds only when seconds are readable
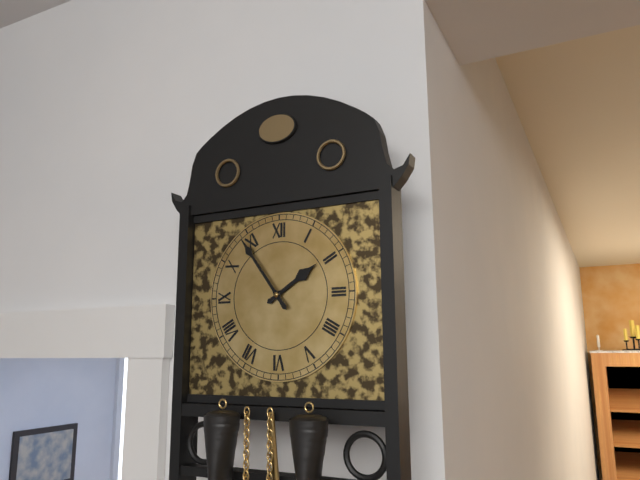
1.54
